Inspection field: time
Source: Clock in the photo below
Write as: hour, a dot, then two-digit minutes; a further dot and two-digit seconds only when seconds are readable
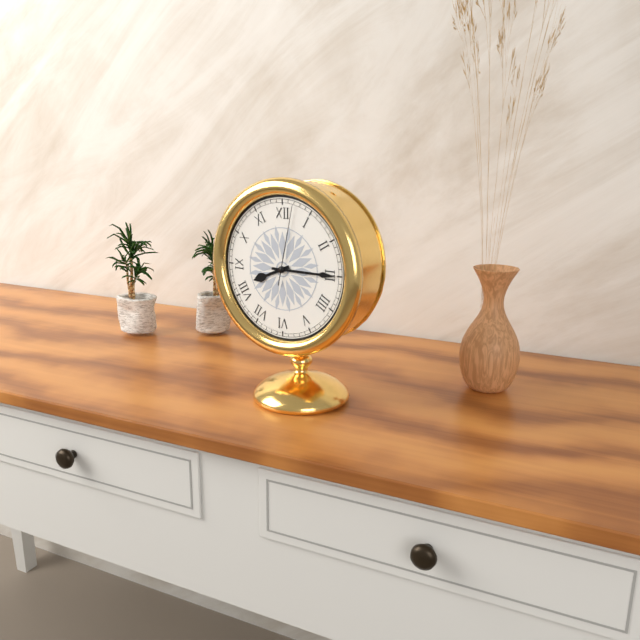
8.15.02
